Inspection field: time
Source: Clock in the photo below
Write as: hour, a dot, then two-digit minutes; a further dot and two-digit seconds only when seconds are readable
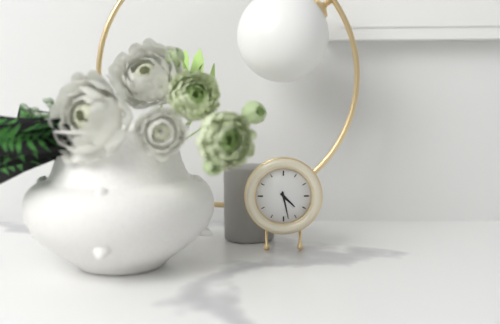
4.28
